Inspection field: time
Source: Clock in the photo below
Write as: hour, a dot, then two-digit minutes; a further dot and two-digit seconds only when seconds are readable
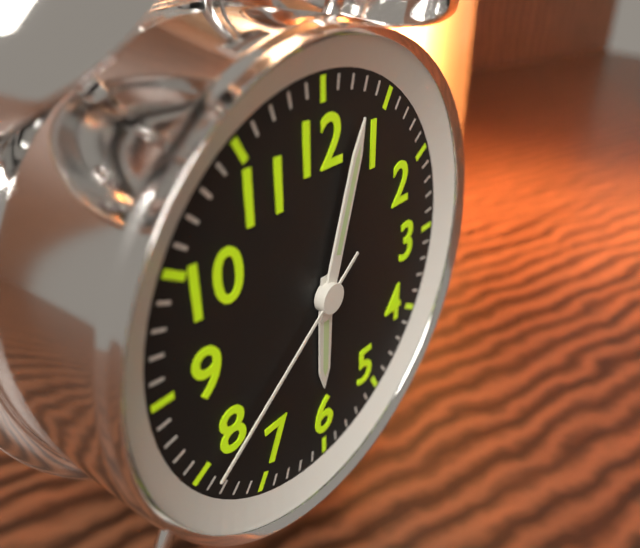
6.03.39
